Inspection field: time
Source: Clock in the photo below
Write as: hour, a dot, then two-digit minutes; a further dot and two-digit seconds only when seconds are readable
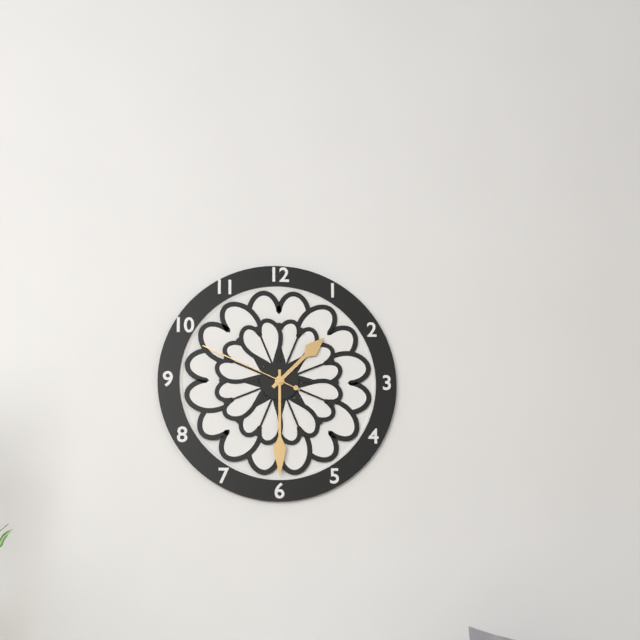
1.30.49
